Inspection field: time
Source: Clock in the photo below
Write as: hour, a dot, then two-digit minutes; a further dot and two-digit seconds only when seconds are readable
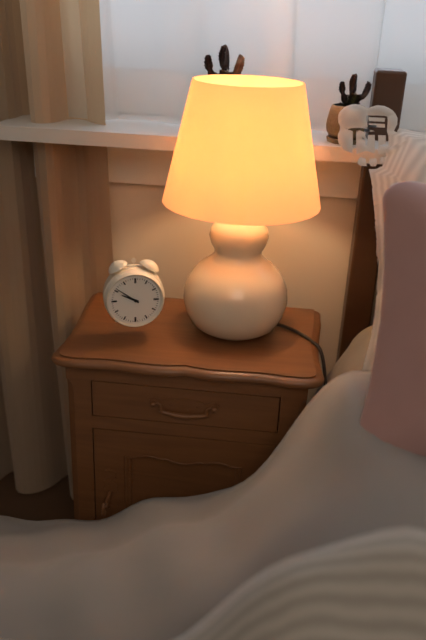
9.51
